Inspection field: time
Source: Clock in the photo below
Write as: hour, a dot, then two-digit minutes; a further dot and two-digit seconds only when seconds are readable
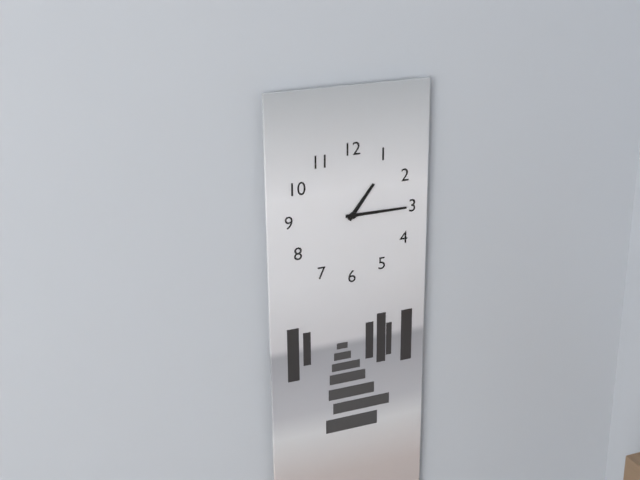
1.15
